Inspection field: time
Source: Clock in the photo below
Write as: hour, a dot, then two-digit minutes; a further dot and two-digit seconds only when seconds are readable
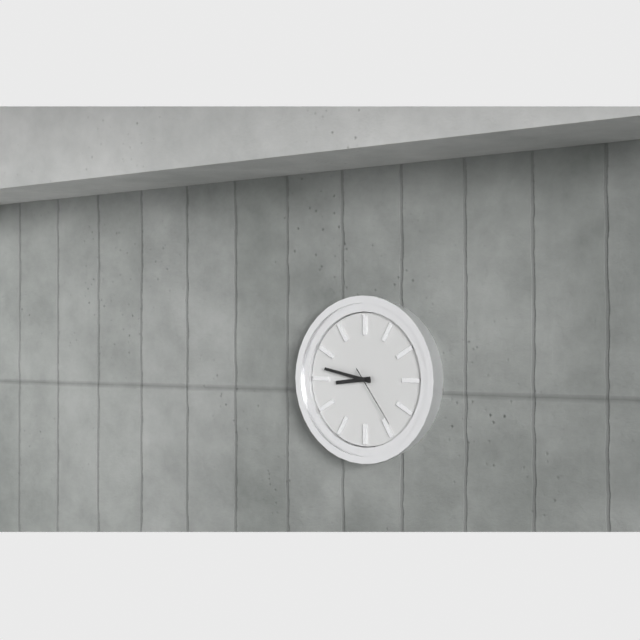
8.47.24
